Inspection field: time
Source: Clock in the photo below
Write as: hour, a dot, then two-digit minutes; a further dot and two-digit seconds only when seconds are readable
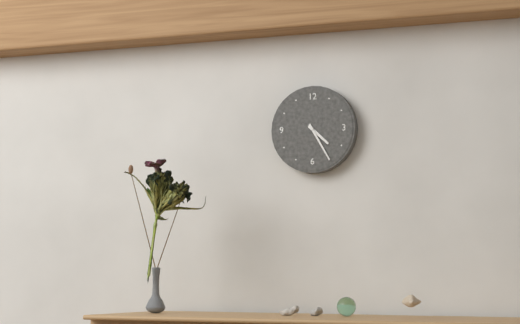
4.25
